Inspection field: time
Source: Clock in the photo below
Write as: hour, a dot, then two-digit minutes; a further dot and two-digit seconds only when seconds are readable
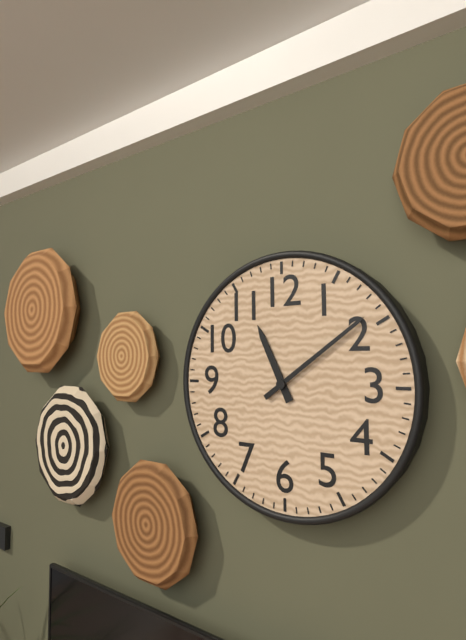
11.09
